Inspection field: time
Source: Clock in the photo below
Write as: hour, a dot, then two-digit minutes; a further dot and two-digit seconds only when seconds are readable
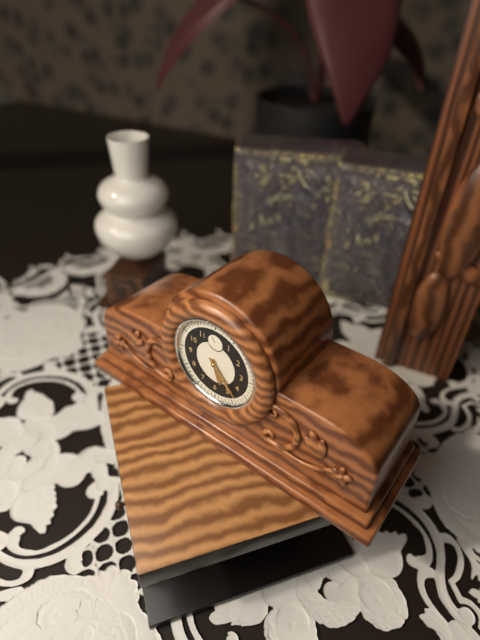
5.23
